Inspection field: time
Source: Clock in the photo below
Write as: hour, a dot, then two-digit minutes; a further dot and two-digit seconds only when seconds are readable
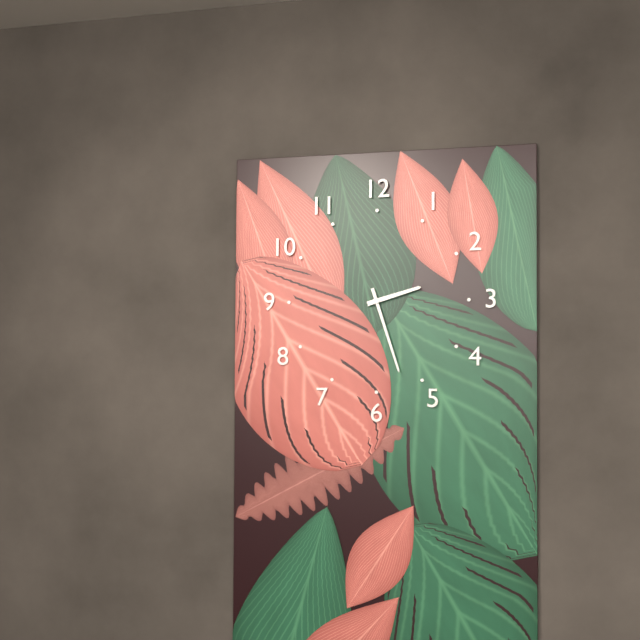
2.27
